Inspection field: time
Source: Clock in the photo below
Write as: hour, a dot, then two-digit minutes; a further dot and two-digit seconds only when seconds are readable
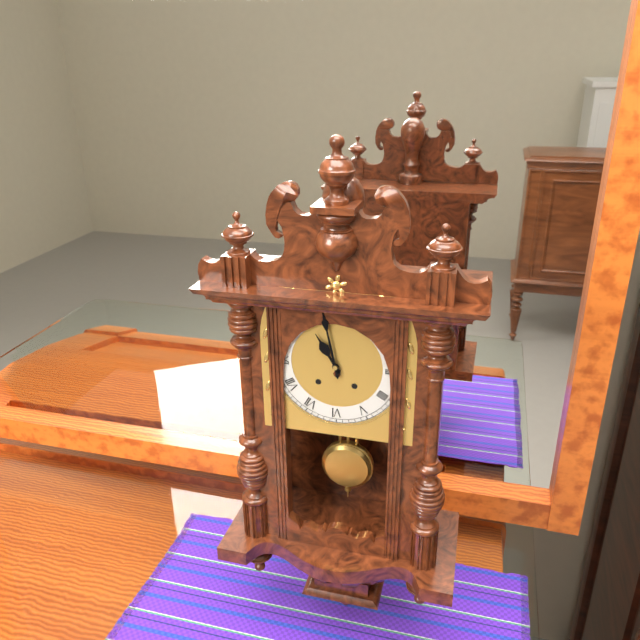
10.58
